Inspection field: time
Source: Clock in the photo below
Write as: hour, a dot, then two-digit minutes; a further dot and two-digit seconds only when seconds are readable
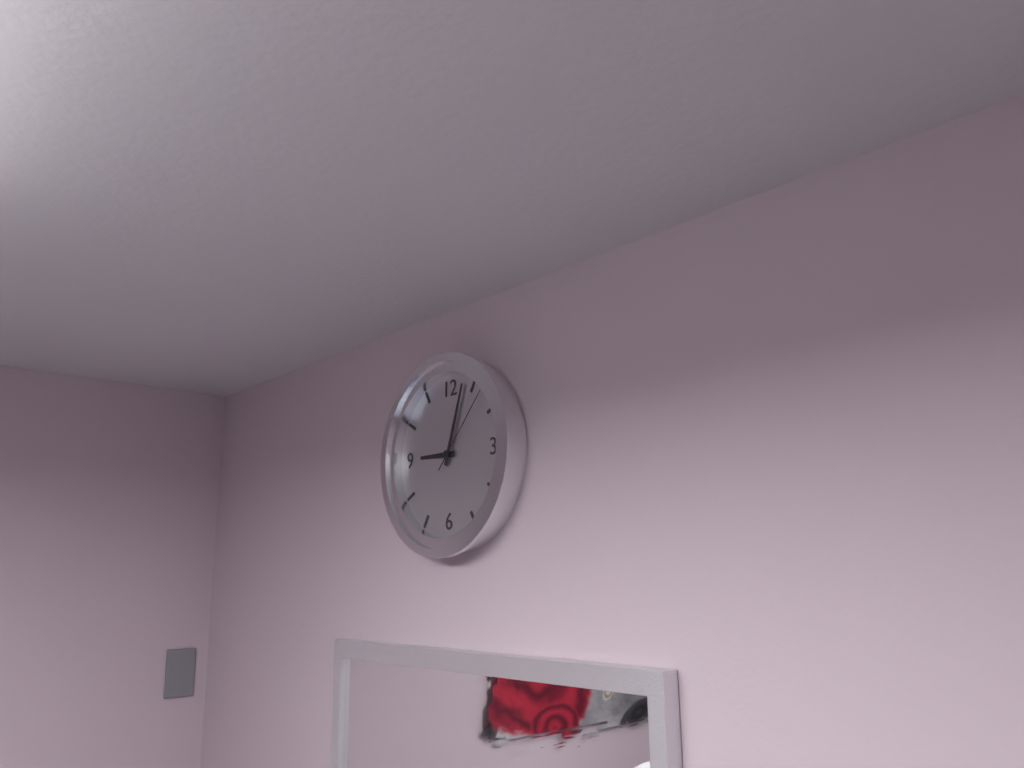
9.03.07
